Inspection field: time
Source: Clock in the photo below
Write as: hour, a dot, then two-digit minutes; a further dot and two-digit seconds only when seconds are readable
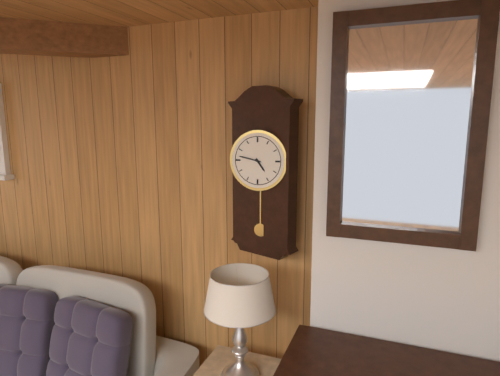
4.47
